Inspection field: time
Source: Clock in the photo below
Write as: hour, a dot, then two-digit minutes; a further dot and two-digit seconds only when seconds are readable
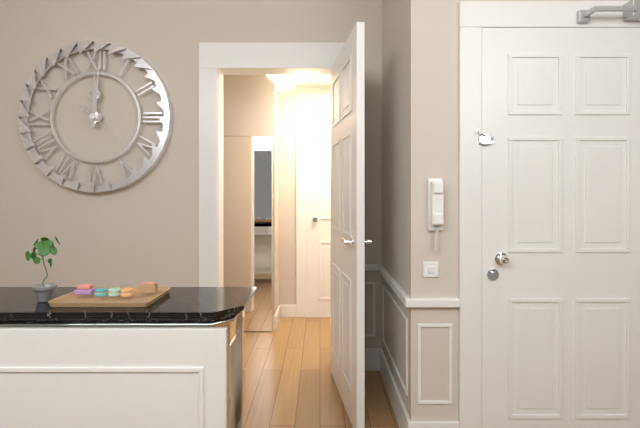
12.01.22
